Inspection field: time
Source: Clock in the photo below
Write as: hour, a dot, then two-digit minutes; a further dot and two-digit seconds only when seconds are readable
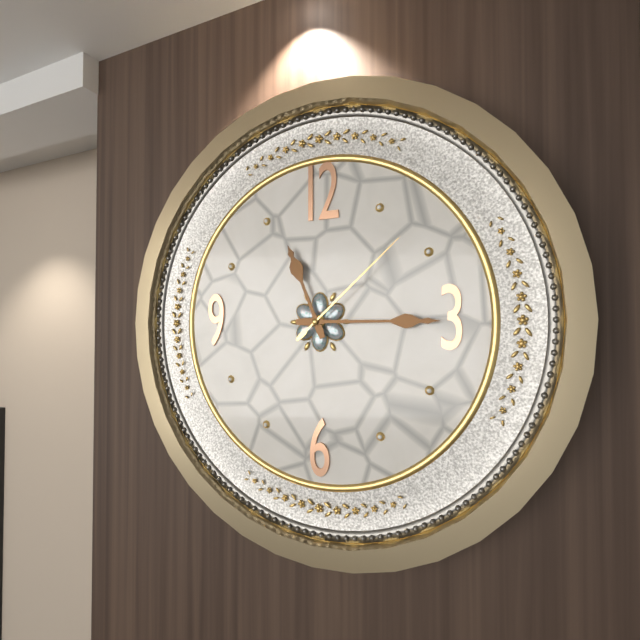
11.15.08
